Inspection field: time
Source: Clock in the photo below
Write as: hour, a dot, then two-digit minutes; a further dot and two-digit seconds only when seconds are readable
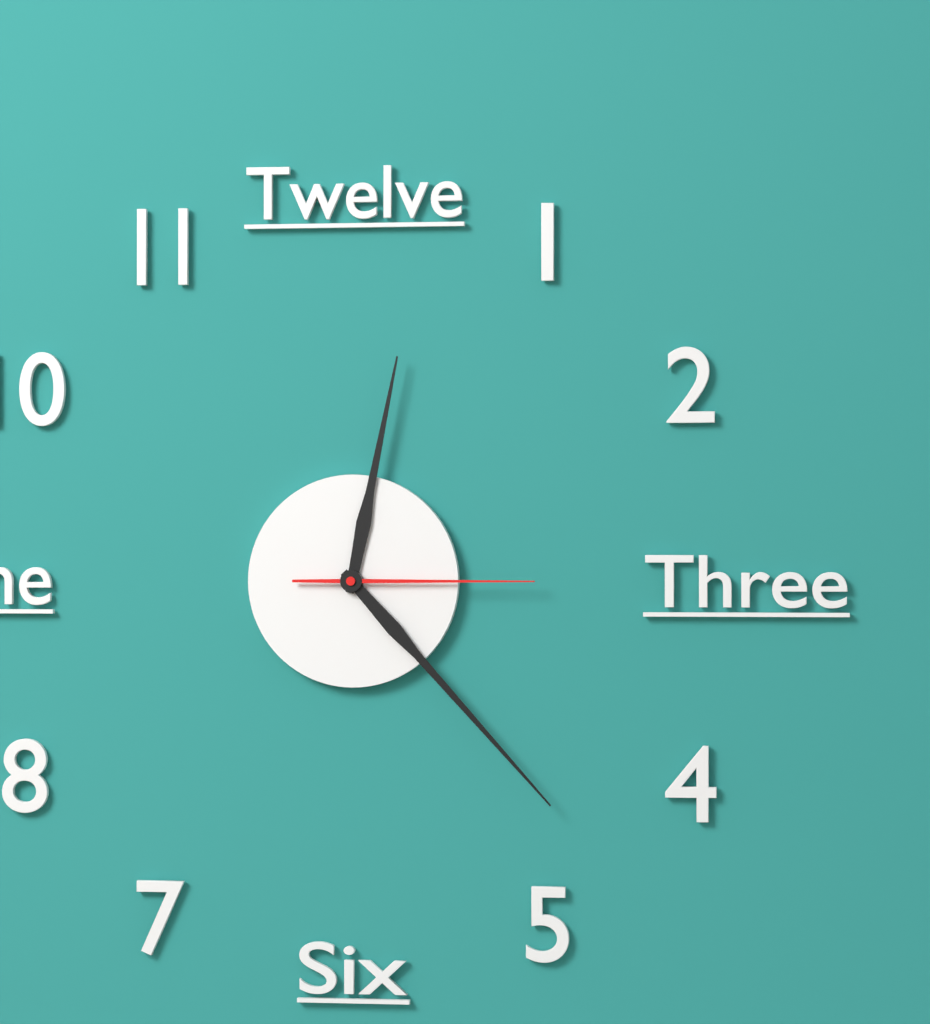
12.23.15
